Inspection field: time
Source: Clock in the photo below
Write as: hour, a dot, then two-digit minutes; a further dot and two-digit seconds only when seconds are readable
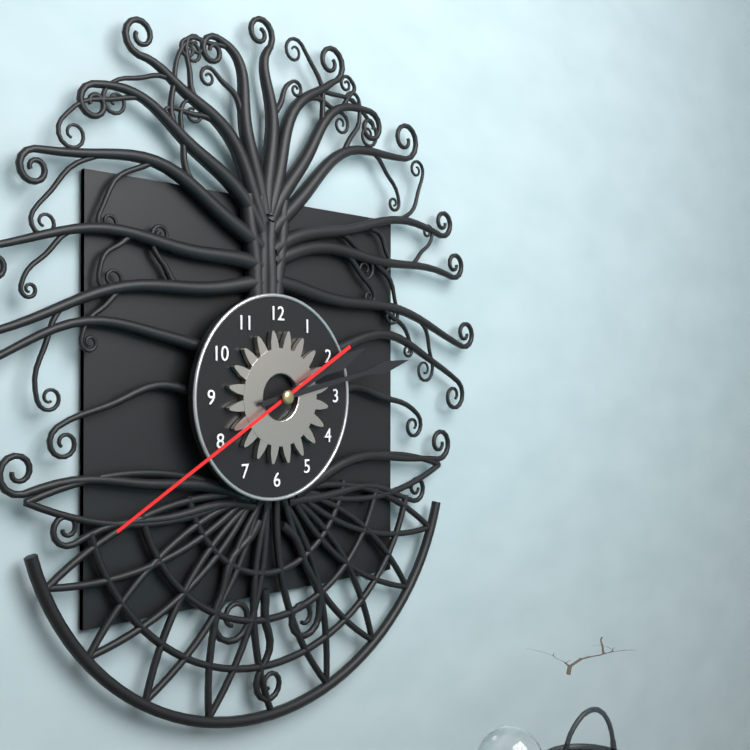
2.13.40
